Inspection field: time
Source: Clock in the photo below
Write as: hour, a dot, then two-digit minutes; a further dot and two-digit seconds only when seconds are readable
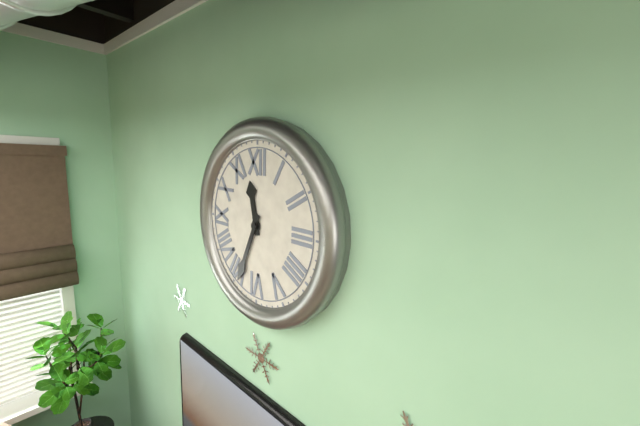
11.34
